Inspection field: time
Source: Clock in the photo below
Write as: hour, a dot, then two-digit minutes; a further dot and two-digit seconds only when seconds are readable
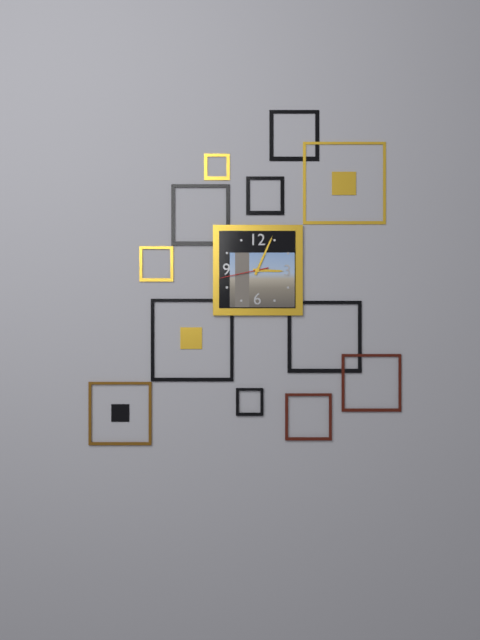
3.04.43
